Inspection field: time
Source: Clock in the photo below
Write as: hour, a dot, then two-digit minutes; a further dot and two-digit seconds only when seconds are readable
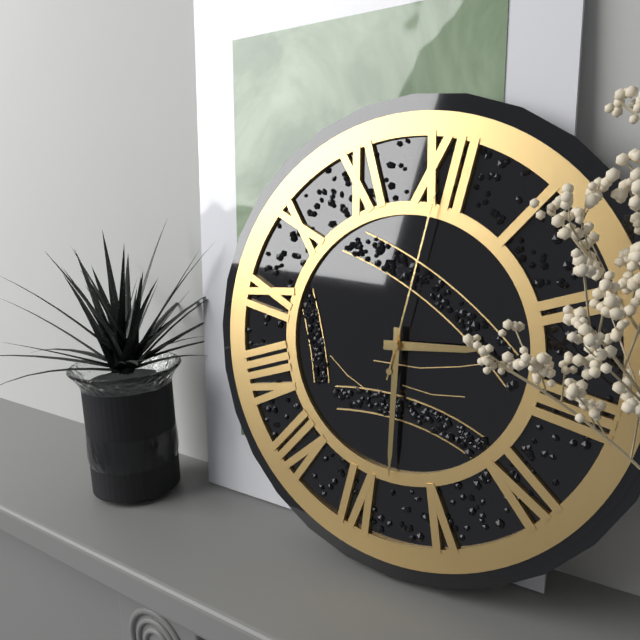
2.28.00
